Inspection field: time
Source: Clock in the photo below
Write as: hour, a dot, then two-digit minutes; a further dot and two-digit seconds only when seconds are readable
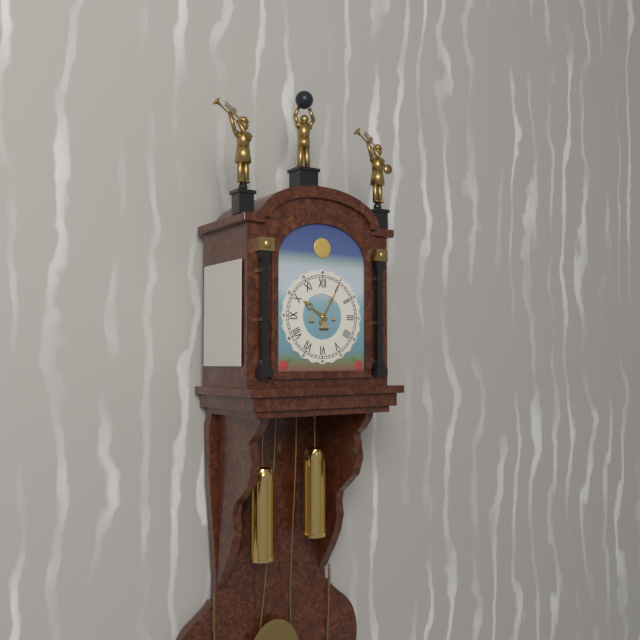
10.05
